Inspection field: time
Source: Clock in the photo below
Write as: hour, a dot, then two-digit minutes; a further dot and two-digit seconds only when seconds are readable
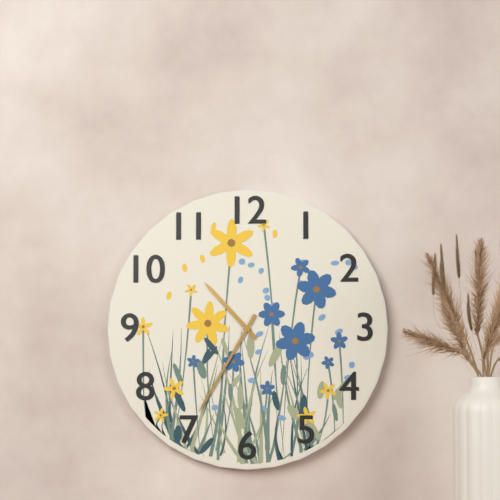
10.35
